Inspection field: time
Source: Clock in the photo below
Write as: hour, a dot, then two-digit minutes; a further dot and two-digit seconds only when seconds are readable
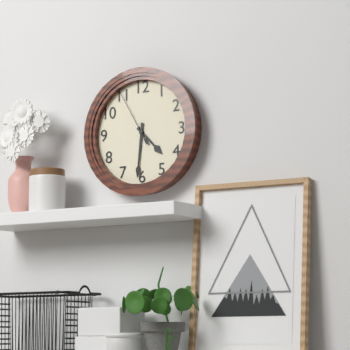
4.31.55
